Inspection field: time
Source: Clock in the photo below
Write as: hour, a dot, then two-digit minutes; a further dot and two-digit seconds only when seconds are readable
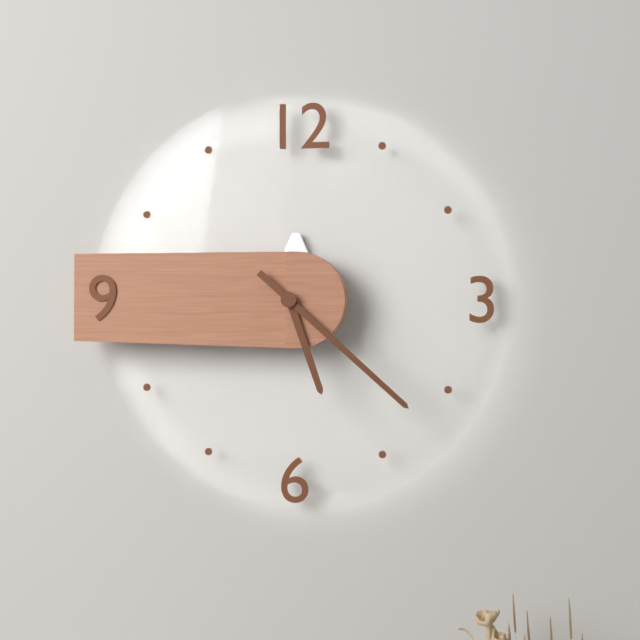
5.22
